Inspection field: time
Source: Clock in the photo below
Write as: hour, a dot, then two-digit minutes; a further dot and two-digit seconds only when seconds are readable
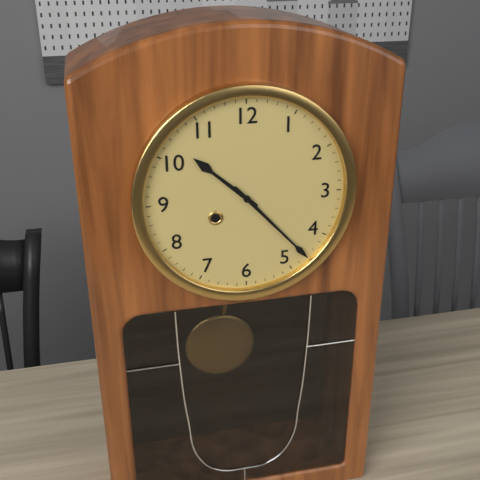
10.23
